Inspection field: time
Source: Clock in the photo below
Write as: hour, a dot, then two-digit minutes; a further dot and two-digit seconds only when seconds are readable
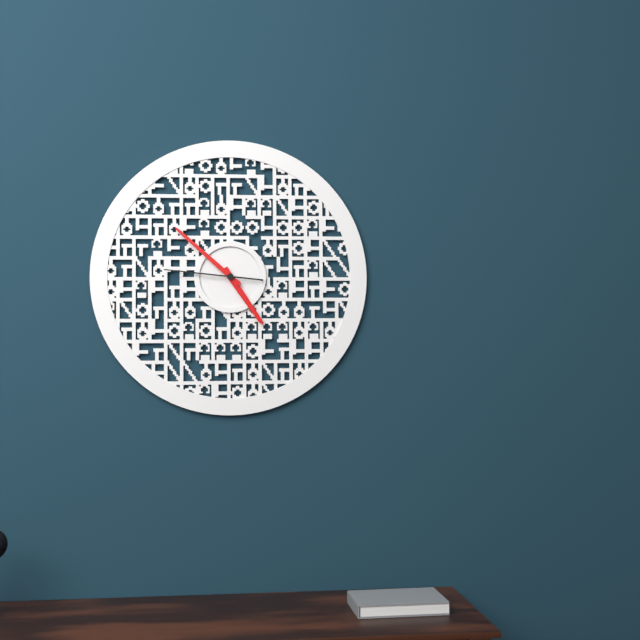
4.52.46
